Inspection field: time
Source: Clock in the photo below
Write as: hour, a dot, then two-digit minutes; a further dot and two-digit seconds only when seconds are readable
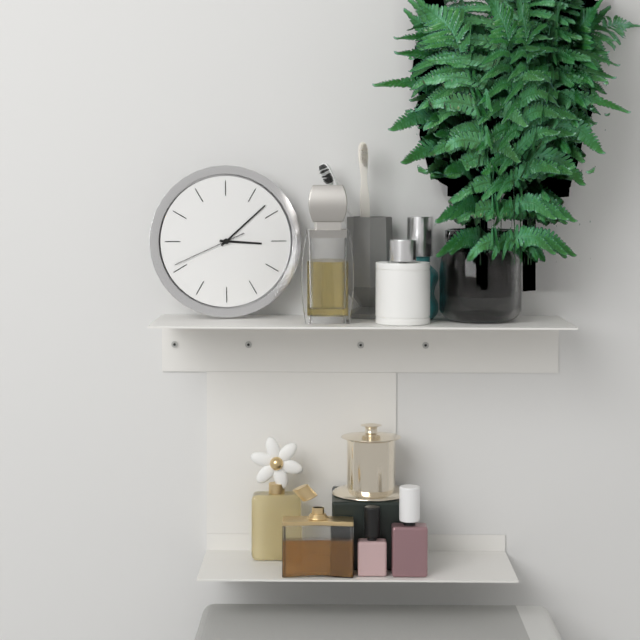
3.08.41
